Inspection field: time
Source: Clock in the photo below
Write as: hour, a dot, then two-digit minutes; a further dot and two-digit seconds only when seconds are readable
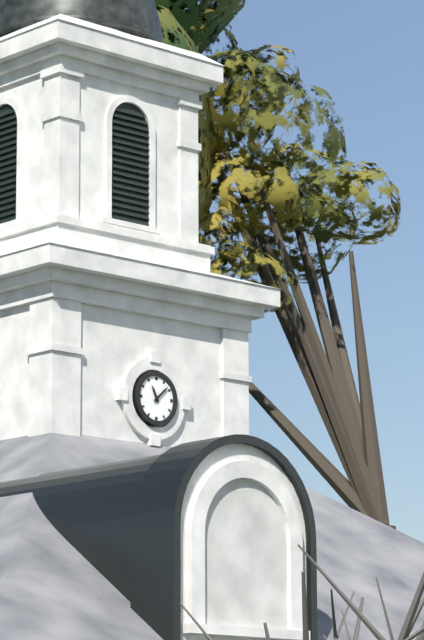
11.08
